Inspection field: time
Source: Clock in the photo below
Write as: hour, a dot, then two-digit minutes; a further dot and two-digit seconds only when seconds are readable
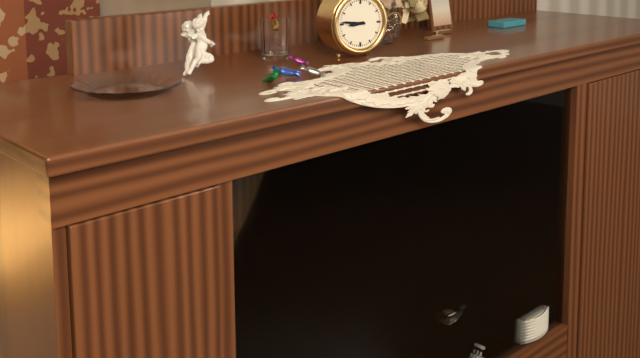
8.46
